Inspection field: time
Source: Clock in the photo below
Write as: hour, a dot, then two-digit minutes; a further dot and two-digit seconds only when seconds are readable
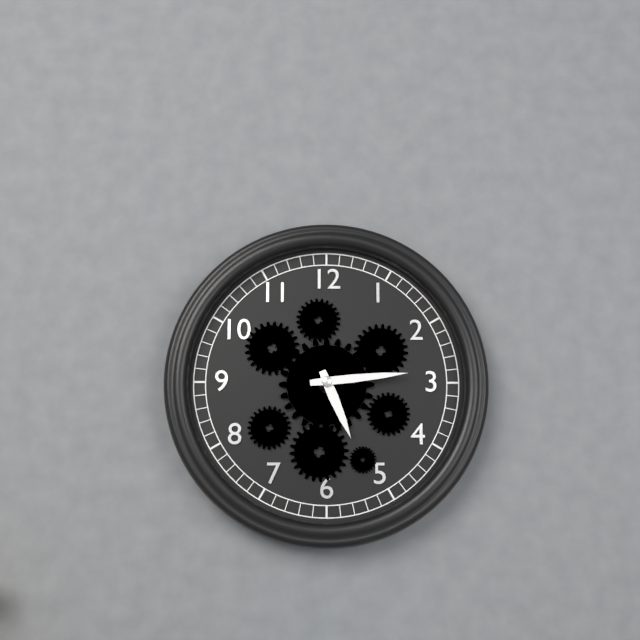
5.14
